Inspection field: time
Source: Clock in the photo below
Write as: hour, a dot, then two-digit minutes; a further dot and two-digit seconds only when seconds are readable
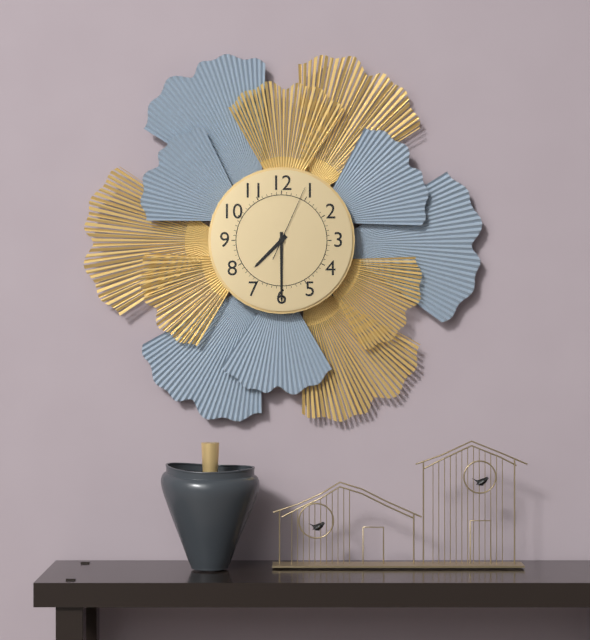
7.30.04
